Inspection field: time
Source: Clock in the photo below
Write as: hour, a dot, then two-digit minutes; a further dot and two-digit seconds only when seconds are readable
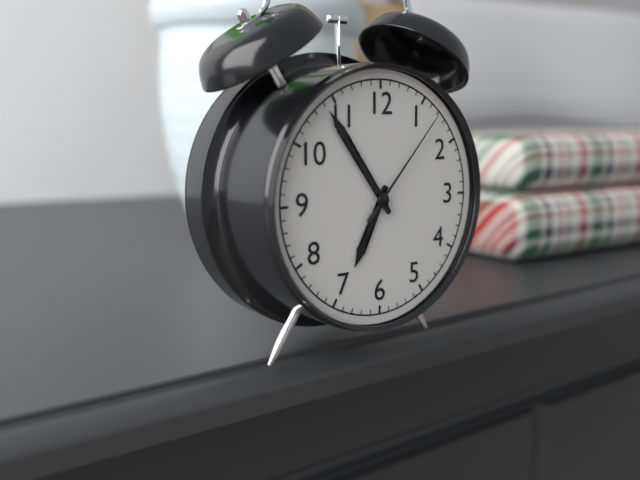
6.54.07
